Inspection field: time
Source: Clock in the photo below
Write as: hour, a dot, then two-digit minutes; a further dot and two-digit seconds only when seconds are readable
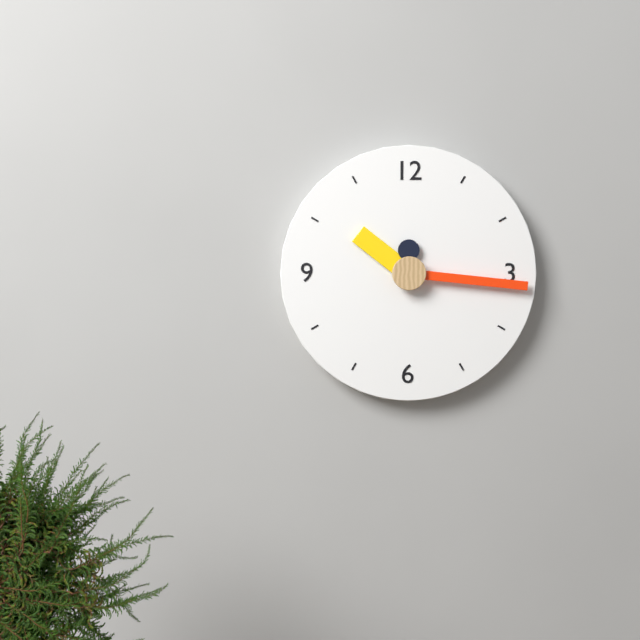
10.16
